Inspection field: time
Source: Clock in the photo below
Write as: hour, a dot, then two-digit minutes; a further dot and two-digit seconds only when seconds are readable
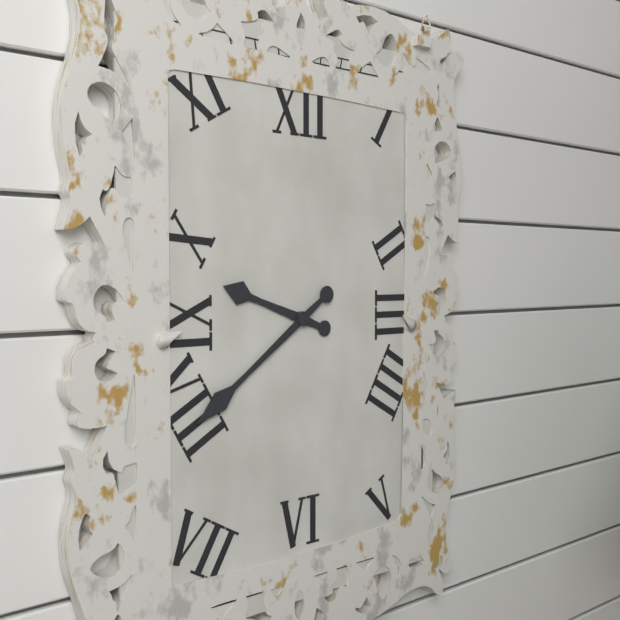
9.39
